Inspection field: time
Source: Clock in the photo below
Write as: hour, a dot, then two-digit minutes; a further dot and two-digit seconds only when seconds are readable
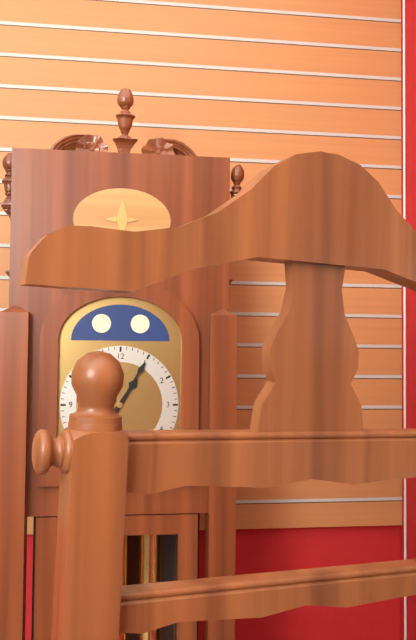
1.05
